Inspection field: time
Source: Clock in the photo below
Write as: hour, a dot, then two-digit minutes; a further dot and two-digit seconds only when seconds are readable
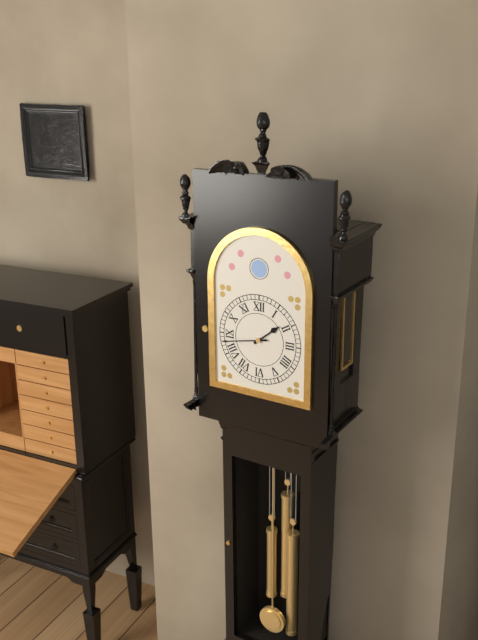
1.43
